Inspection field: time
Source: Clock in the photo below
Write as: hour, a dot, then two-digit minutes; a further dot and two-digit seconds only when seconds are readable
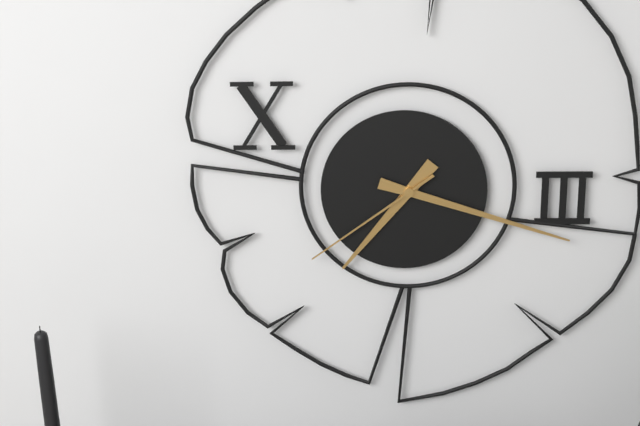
7.18.39
